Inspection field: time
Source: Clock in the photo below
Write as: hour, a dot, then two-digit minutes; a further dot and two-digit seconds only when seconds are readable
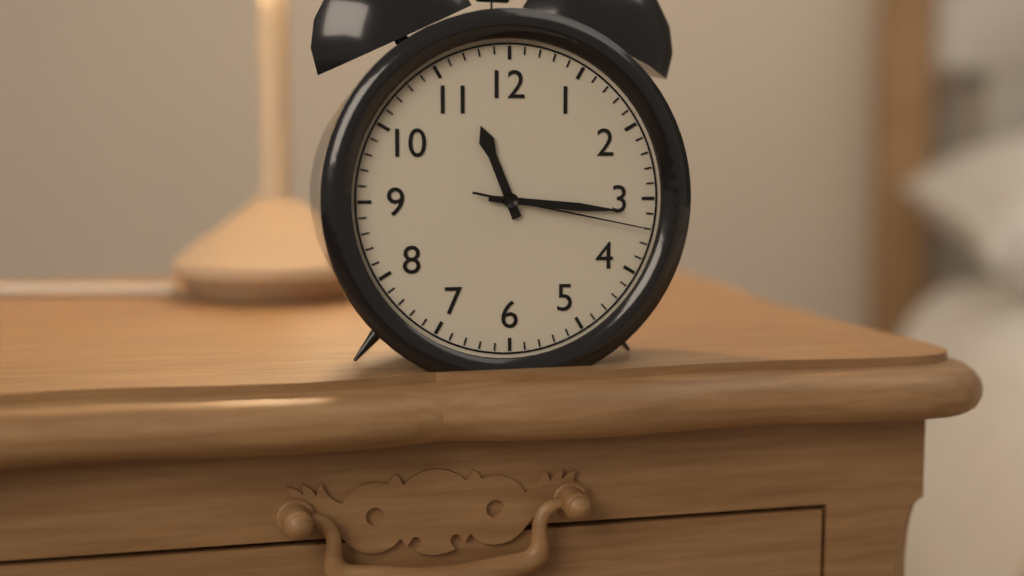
11.16.17
